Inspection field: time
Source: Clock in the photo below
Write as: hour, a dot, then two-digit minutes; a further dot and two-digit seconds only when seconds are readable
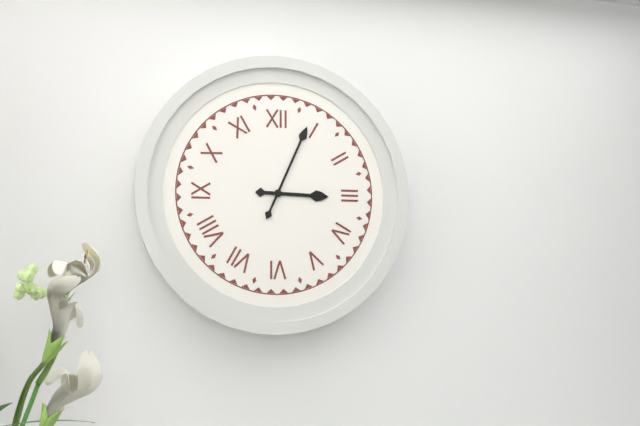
3.04
